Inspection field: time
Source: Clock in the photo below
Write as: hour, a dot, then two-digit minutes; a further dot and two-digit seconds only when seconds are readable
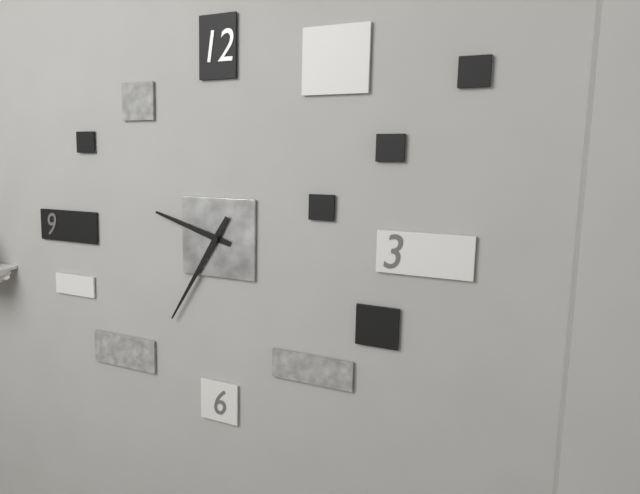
9.35
